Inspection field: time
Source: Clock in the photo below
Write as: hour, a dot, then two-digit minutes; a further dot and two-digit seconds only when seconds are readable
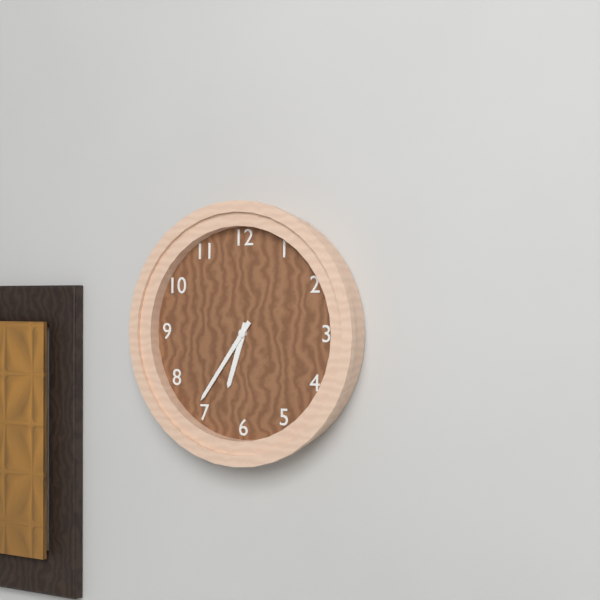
6.36
